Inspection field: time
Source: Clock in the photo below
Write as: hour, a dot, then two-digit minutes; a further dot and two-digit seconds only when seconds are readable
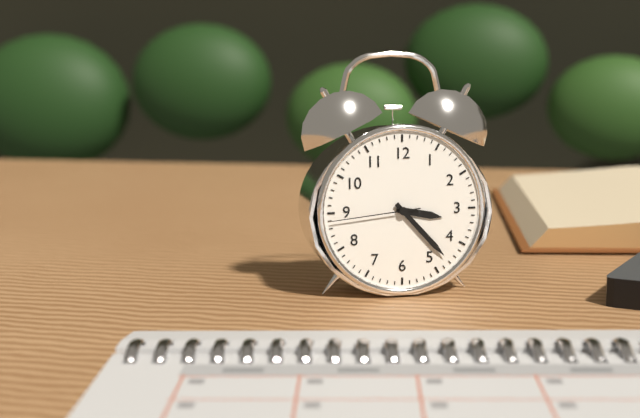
3.23.44
